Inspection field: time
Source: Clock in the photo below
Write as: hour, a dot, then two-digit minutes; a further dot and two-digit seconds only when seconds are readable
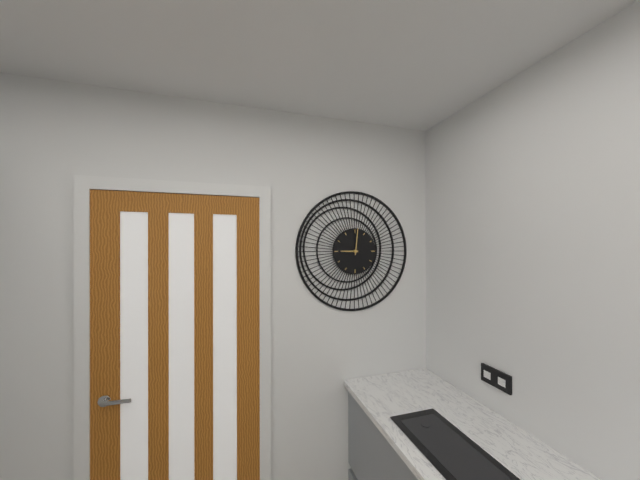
9.01
